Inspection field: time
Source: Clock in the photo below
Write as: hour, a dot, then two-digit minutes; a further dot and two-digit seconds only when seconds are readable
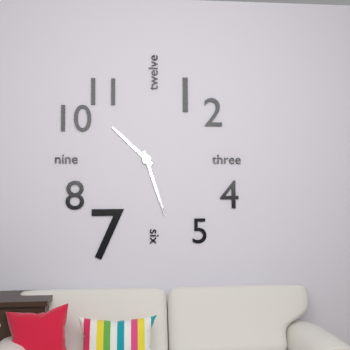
10.27
